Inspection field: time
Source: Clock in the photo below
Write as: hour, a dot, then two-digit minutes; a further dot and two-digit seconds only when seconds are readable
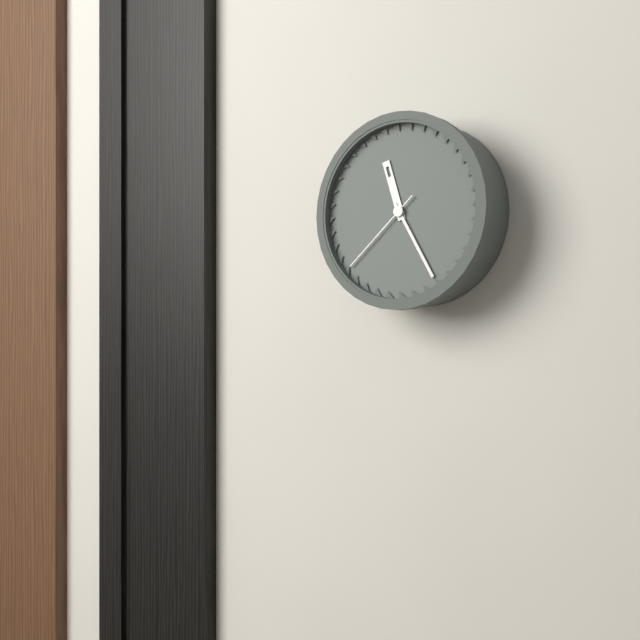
11.25.38
